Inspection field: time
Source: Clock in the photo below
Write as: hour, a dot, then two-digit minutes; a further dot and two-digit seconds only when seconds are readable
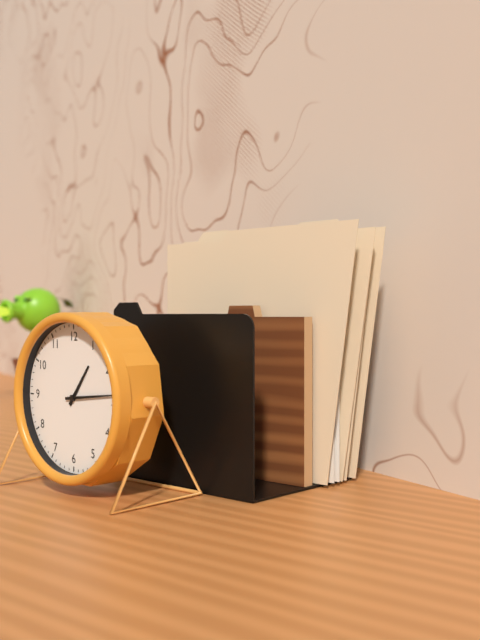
1.14
